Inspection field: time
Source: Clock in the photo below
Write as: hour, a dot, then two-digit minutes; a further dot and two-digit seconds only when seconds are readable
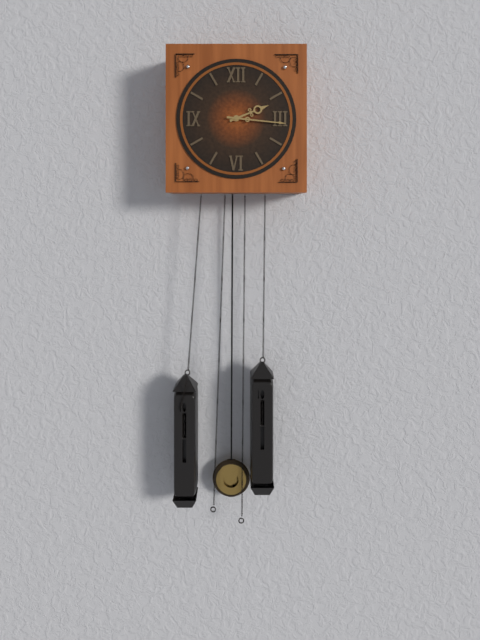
2.16
